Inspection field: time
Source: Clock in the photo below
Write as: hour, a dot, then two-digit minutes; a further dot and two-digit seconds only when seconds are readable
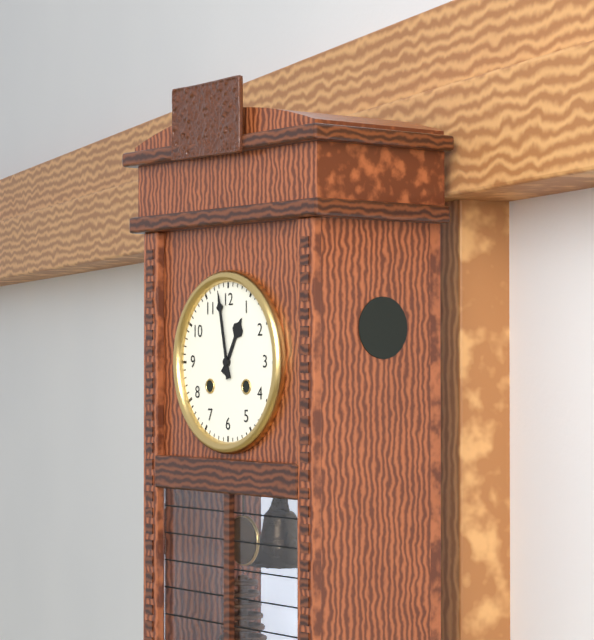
12.58
